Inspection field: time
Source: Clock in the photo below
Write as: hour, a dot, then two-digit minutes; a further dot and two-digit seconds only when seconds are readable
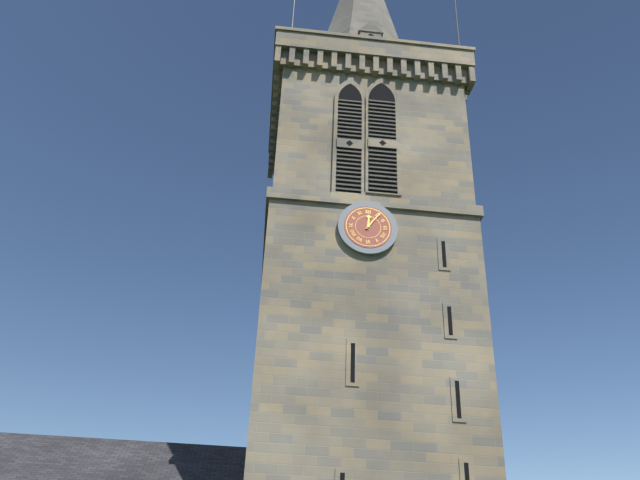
12.06
